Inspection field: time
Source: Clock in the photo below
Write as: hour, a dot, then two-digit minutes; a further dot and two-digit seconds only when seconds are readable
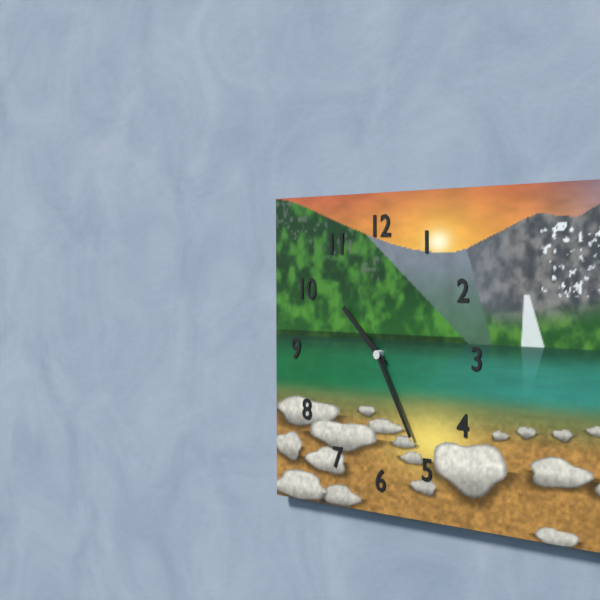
10.25
